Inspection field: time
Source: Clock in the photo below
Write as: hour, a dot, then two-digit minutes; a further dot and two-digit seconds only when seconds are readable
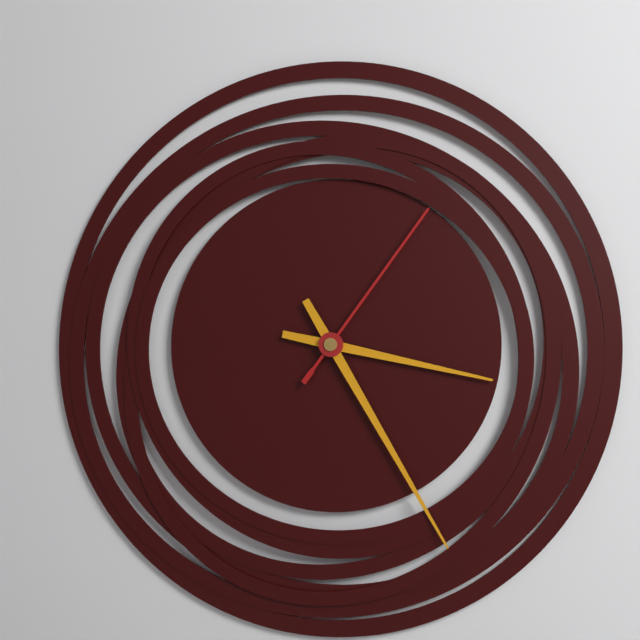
3.25.06
